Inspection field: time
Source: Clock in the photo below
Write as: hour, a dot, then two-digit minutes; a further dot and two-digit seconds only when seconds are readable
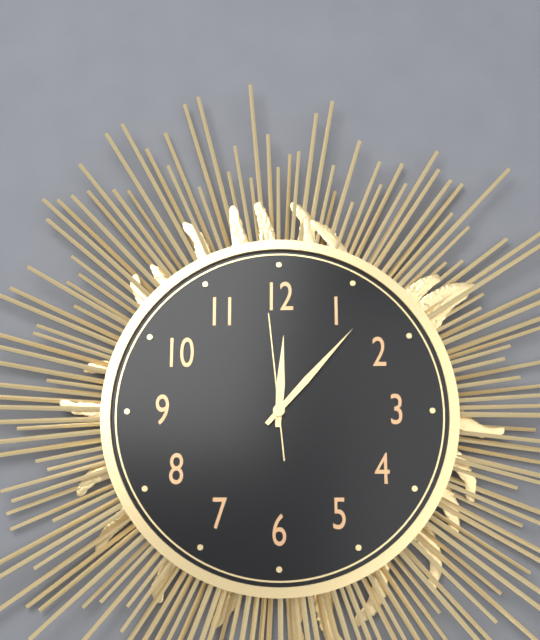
12.07.59
